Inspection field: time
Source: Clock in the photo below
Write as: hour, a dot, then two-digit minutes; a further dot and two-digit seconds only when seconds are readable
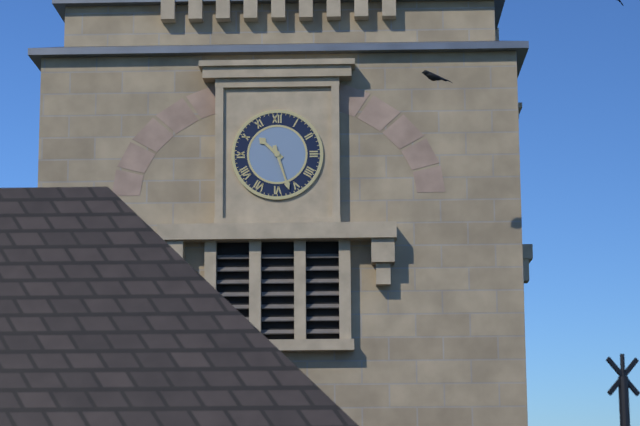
10.27
